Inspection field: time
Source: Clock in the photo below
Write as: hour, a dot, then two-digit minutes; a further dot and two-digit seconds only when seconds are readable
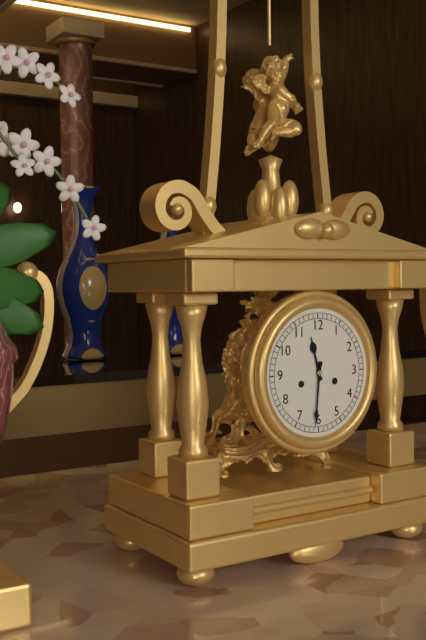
11.31
